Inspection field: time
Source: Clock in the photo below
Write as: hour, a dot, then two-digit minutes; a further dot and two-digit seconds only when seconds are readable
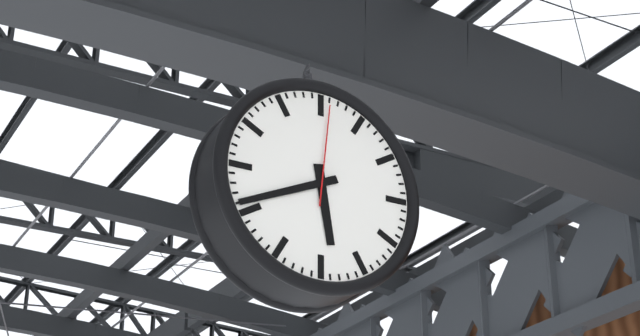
5.41.01
